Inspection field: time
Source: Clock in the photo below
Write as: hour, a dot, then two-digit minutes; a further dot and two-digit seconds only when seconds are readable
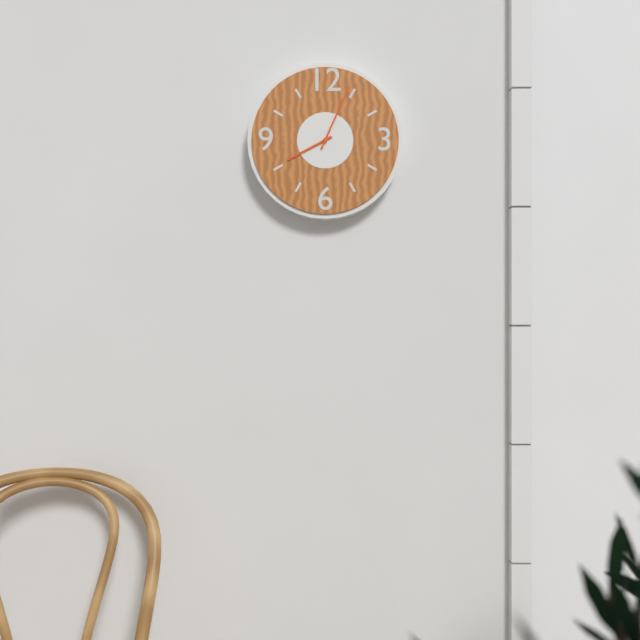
8.04
